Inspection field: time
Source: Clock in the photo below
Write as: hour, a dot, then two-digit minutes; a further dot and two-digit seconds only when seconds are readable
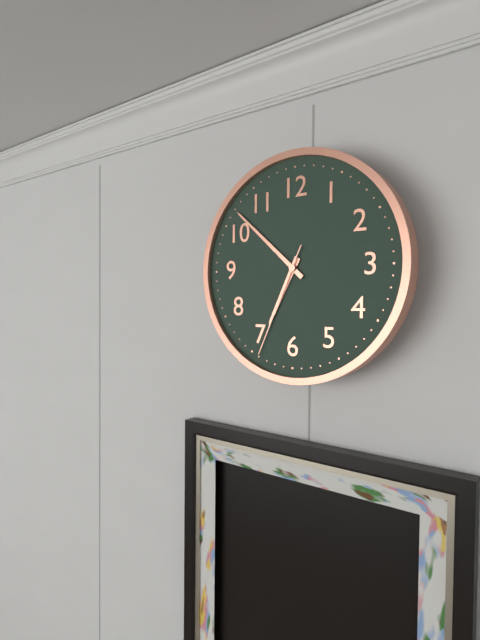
6.52.34
